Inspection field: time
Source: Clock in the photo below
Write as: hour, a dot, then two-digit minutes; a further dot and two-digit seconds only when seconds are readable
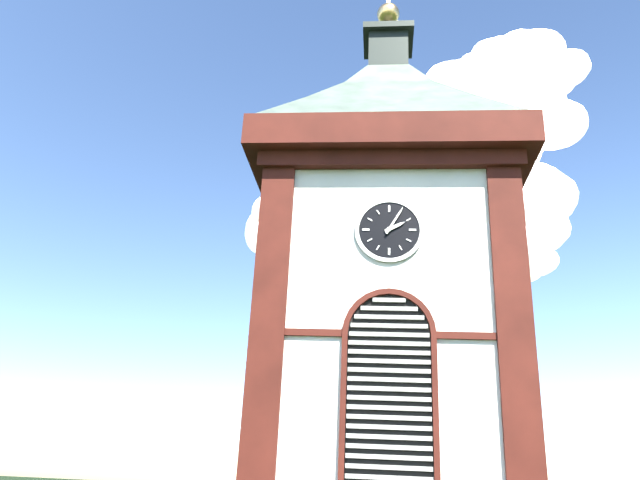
2.05
